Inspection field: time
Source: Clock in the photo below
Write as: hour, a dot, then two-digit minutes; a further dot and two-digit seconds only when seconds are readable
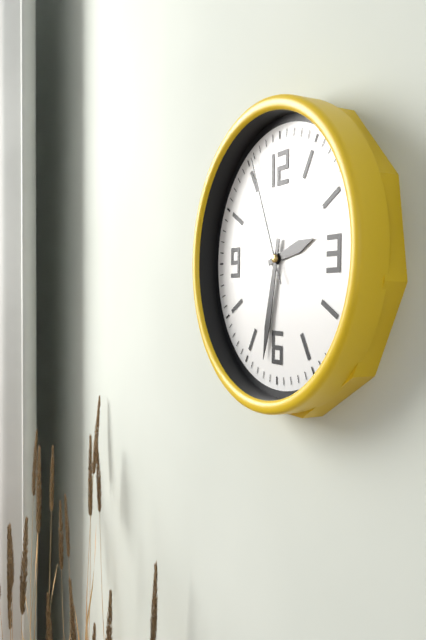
2.32.56
